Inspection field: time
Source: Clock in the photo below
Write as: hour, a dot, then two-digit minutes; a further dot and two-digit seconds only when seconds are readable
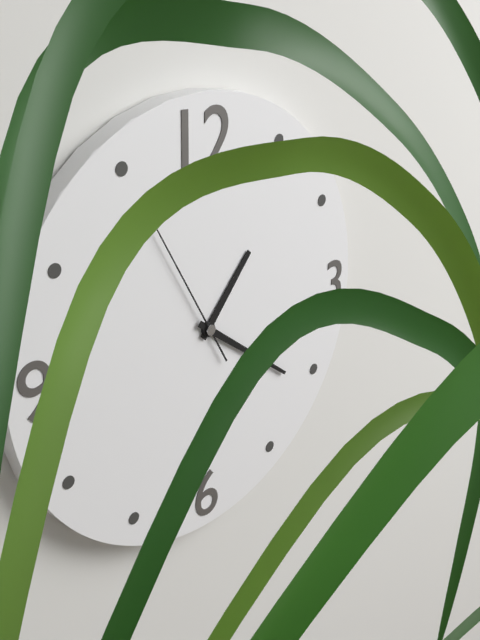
1.21.55
